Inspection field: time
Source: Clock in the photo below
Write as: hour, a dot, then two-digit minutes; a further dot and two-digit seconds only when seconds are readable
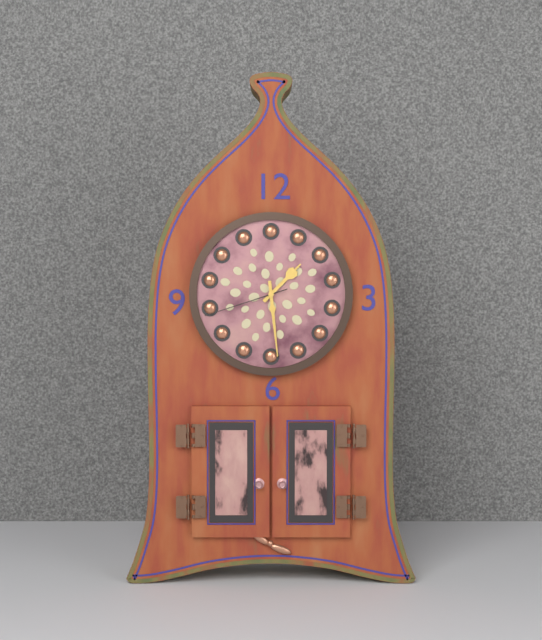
1.29.42
